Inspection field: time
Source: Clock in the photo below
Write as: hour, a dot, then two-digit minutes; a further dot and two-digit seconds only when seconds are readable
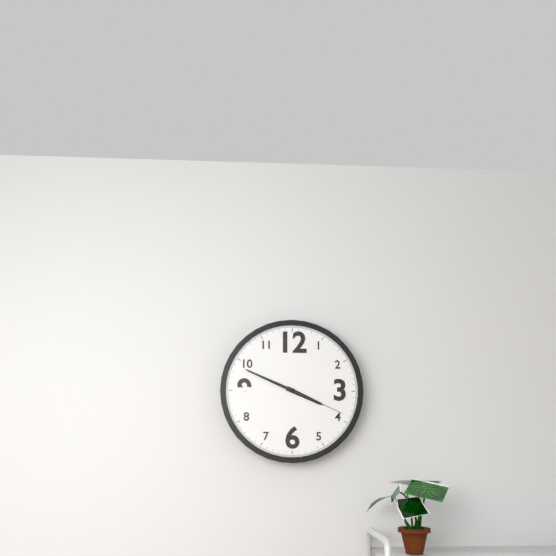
3.49.19
